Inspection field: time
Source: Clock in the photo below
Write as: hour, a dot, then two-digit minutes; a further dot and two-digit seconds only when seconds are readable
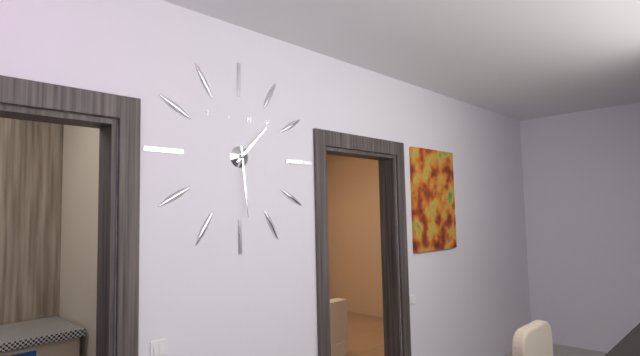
1.29
